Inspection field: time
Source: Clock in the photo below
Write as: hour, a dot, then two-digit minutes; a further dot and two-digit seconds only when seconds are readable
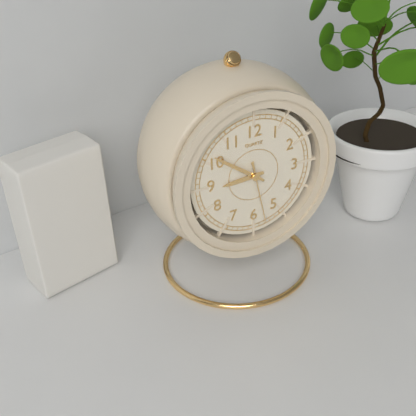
8.51.28
